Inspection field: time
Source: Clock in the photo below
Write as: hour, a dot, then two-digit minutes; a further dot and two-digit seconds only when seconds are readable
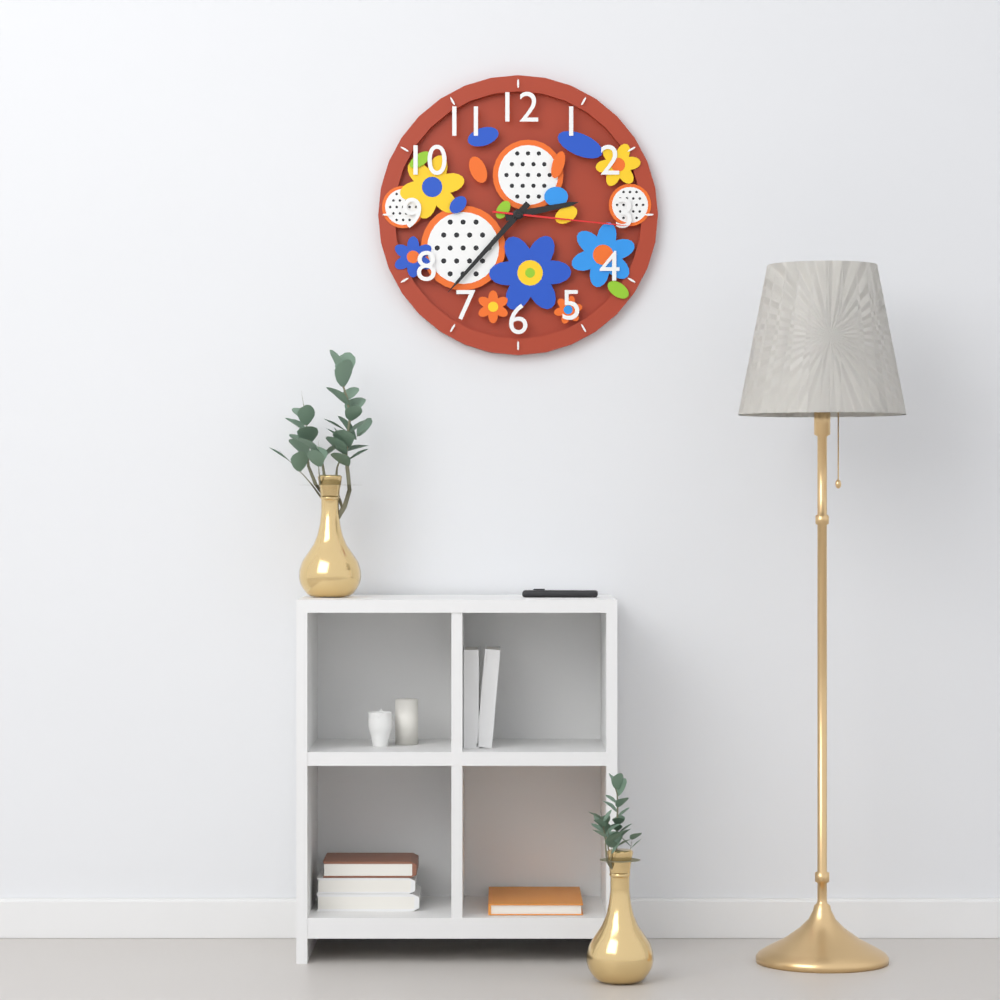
2.37.16
